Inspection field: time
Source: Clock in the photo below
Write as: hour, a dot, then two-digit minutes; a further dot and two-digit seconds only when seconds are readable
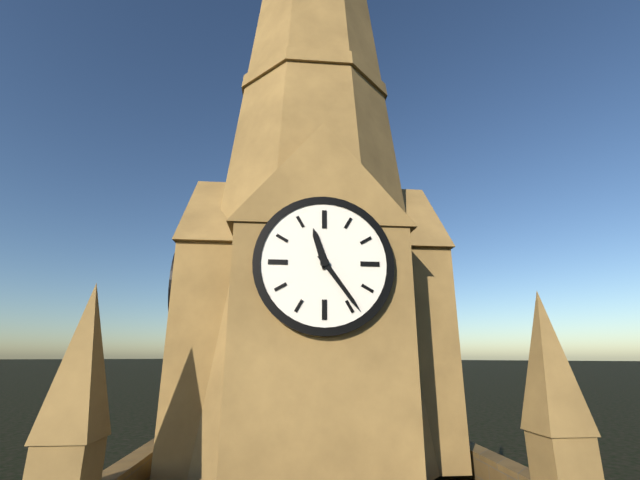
11.24
